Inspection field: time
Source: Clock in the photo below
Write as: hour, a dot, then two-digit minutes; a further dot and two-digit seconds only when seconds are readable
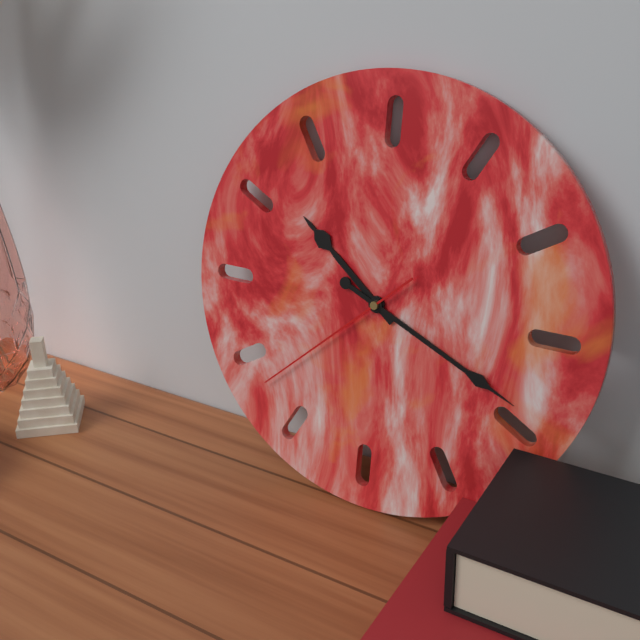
10.19.38
